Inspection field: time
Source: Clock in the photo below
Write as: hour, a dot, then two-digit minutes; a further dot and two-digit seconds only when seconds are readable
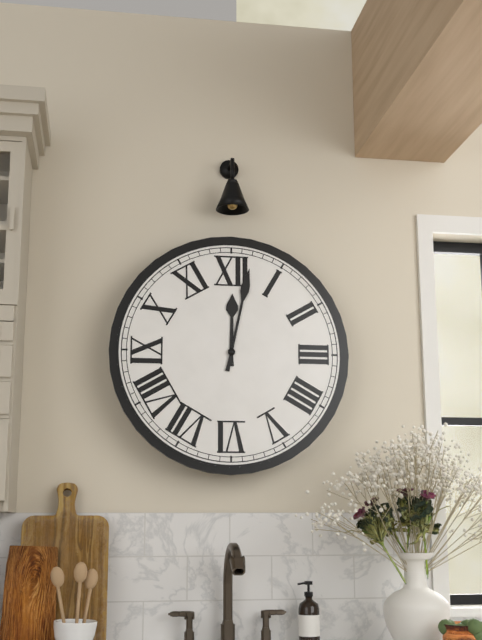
12.02
